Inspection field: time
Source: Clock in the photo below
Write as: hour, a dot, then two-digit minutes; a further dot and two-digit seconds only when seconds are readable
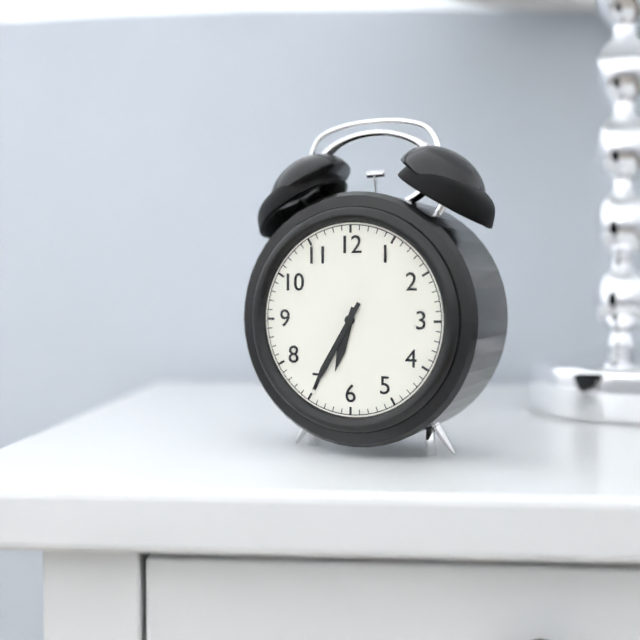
6.35
